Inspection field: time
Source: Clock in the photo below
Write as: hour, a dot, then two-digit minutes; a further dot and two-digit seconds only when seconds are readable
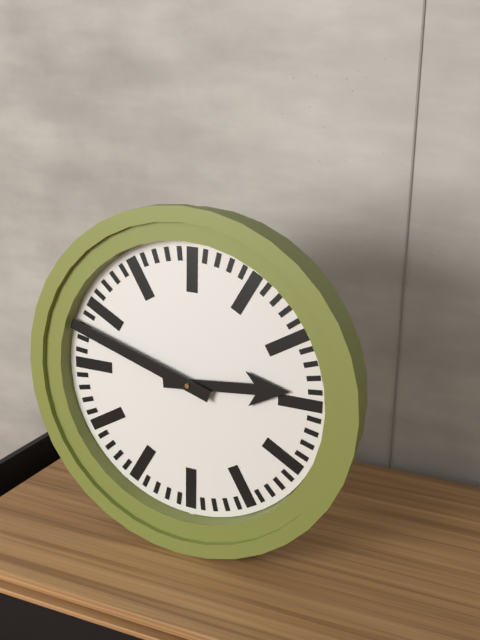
2.48
